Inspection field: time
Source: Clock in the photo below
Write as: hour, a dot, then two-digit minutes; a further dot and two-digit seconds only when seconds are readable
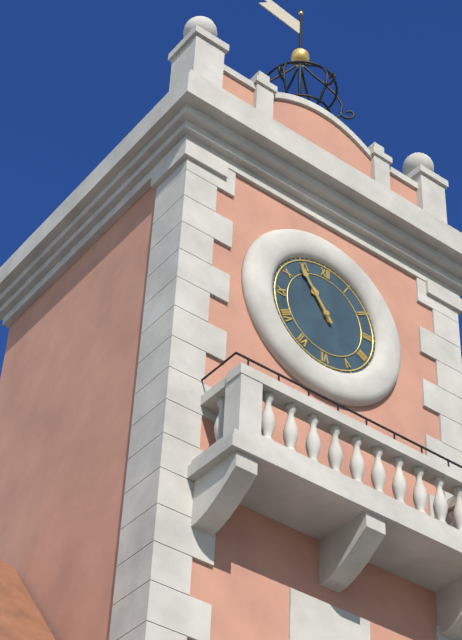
10.54
